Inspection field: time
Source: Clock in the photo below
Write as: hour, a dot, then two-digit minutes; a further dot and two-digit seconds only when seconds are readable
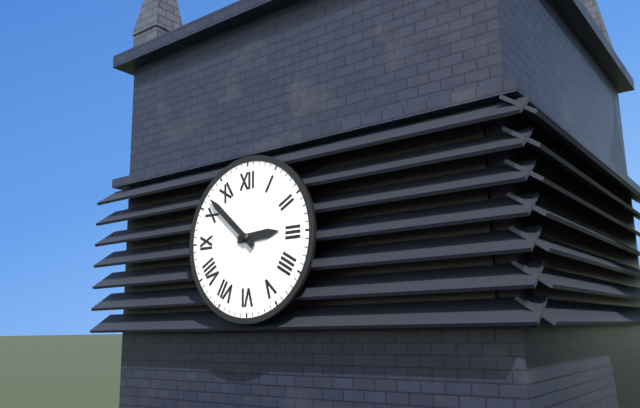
2.52
